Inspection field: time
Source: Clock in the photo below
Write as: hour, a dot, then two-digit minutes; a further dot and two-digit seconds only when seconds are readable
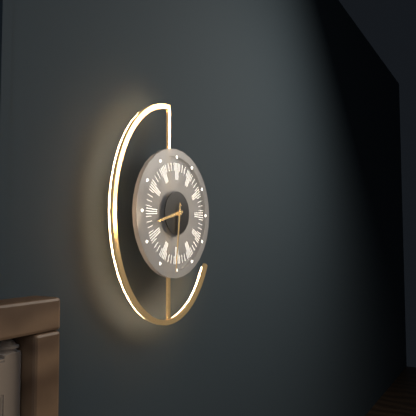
8.31
